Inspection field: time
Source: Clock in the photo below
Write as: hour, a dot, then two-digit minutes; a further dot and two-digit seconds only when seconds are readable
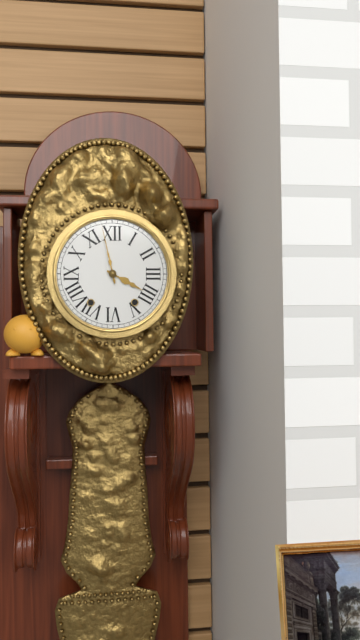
3.58
